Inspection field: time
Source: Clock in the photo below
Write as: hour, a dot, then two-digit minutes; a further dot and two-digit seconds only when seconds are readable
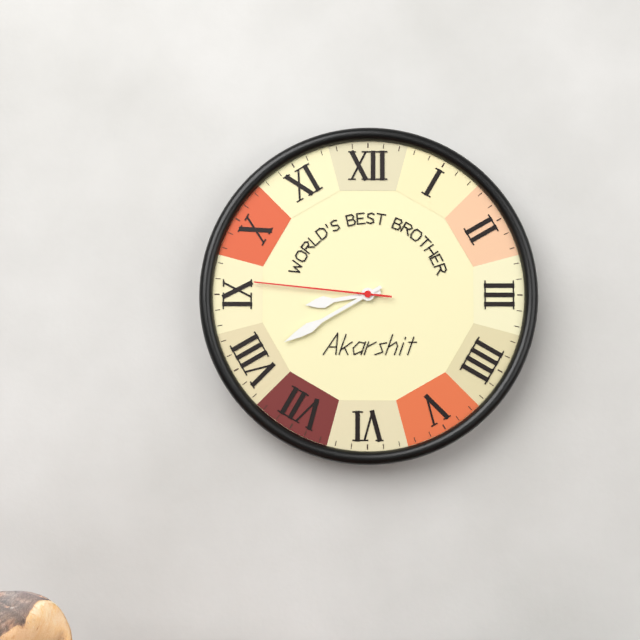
8.40.46
